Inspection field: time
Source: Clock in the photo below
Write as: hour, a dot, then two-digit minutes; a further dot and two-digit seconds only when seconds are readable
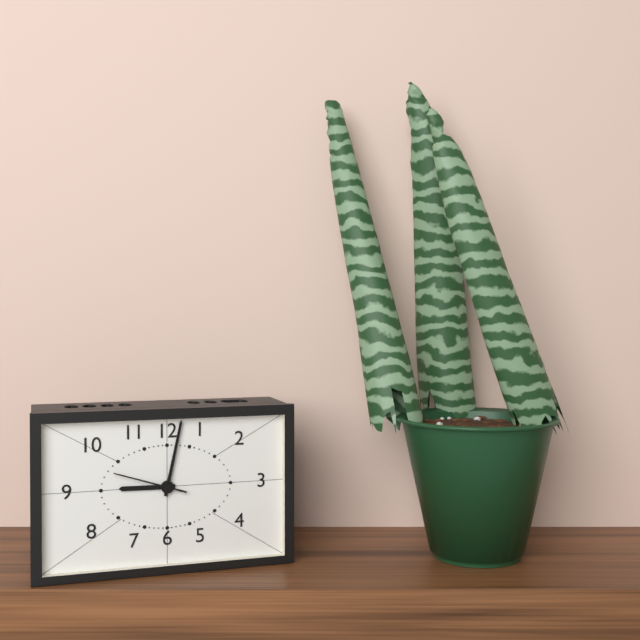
9.02.48
